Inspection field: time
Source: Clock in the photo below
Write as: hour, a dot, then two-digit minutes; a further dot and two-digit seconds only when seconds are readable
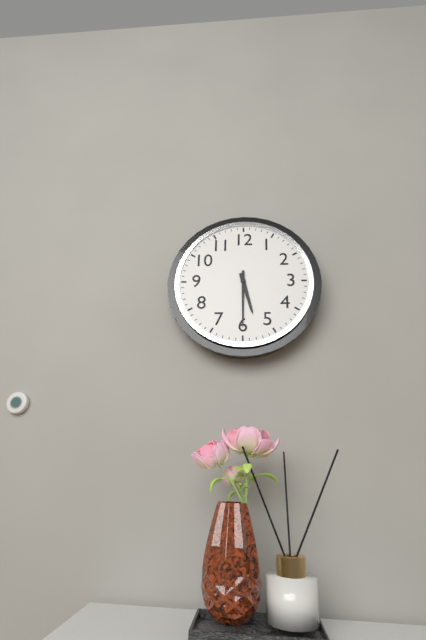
5.30
